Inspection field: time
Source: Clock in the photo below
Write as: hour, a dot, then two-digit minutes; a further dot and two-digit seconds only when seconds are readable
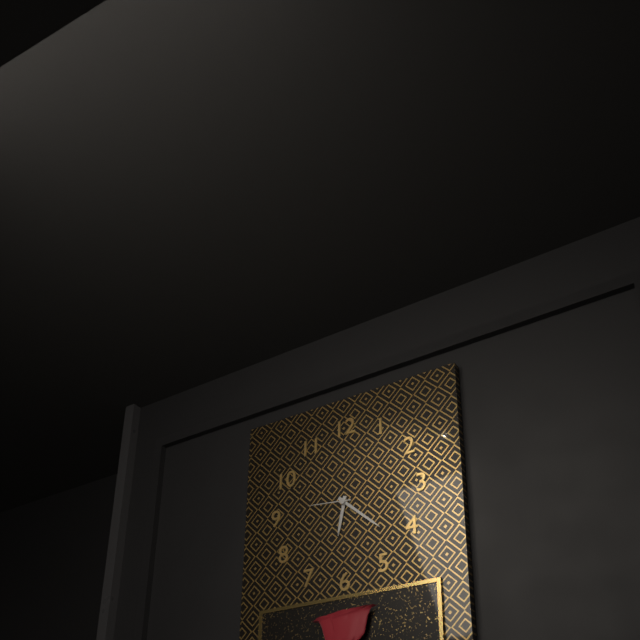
6.22
